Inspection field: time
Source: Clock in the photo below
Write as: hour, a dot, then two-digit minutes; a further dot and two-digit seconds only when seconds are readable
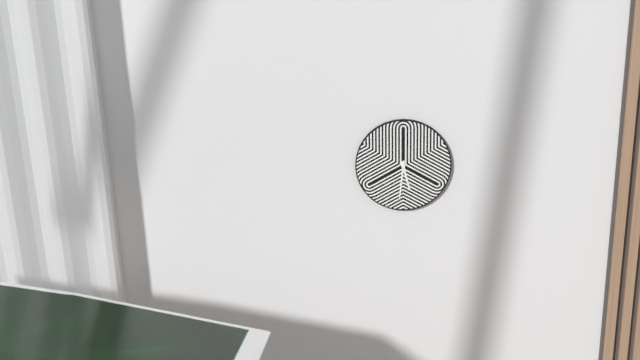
5.31
